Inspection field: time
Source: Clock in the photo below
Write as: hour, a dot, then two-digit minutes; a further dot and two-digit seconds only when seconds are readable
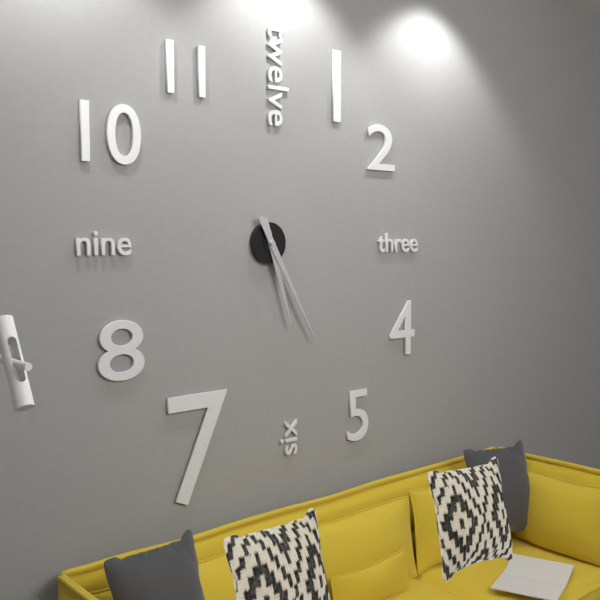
5.25
